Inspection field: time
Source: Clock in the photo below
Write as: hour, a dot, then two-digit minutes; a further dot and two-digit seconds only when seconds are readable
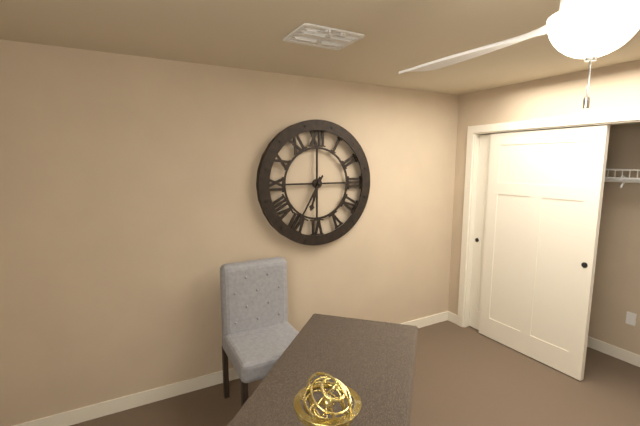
6.35
